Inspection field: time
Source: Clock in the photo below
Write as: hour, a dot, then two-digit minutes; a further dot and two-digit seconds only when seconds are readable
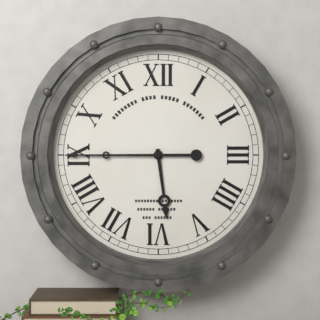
5.45
